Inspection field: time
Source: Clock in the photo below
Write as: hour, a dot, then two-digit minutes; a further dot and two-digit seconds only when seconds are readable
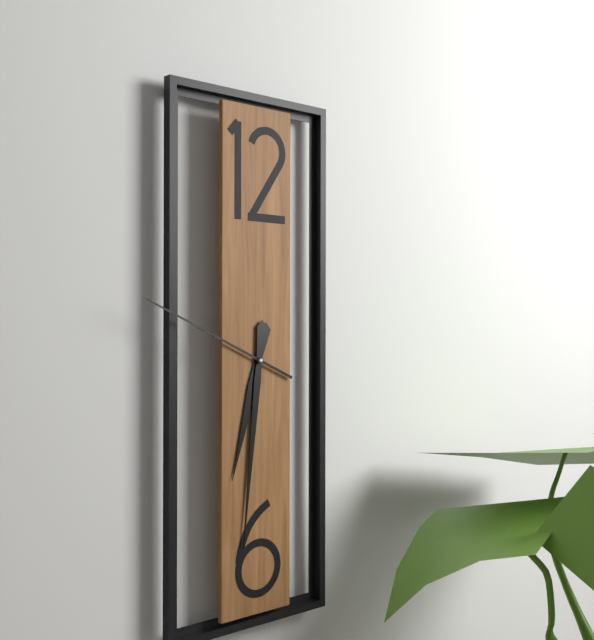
6.31.49
